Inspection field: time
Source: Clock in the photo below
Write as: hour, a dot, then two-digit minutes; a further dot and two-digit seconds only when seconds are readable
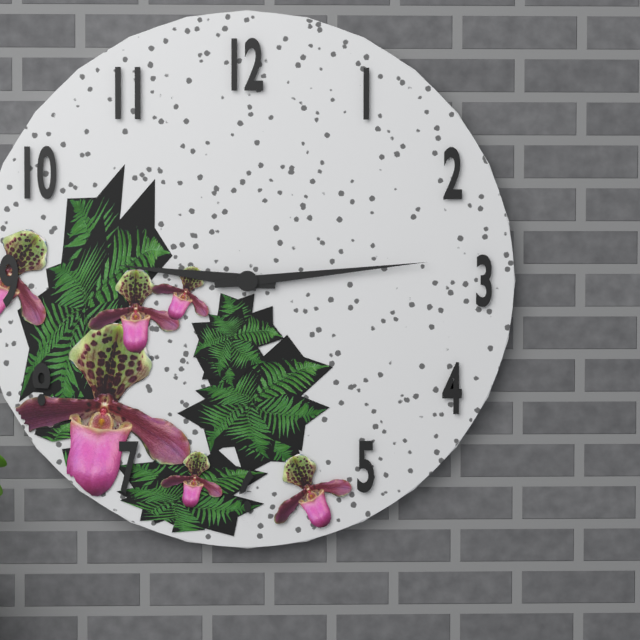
9.14
